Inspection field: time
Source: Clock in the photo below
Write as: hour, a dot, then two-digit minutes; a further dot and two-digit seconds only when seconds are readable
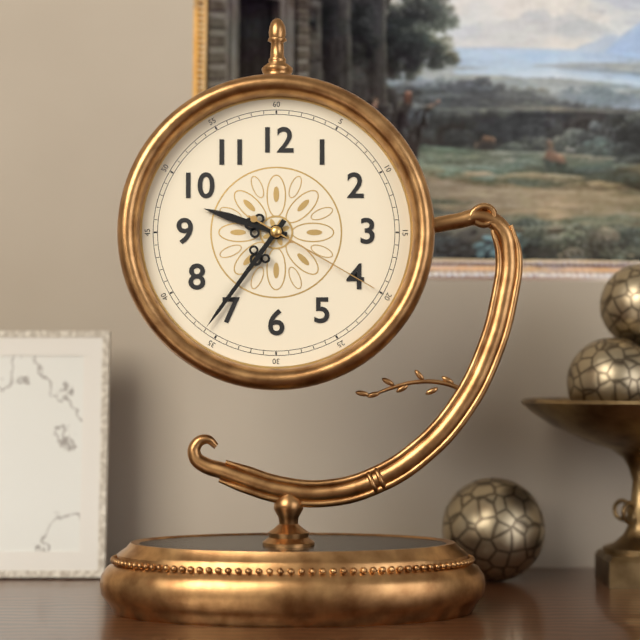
9.36.20
